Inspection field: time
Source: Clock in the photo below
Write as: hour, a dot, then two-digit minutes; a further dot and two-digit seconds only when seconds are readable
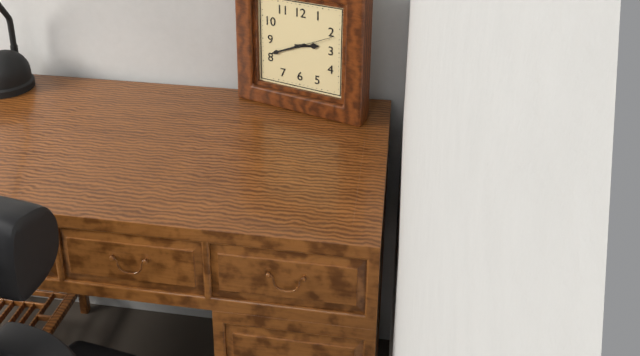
2.41
